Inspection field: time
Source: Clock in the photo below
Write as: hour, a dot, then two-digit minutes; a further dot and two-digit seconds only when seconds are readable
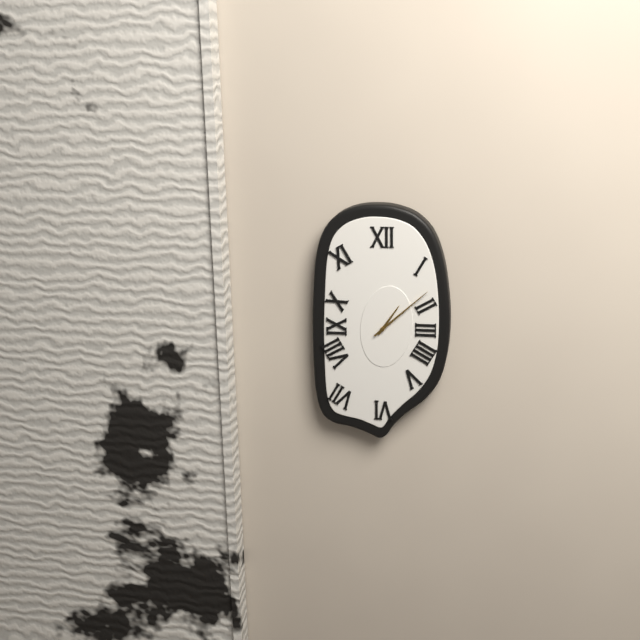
1.08
